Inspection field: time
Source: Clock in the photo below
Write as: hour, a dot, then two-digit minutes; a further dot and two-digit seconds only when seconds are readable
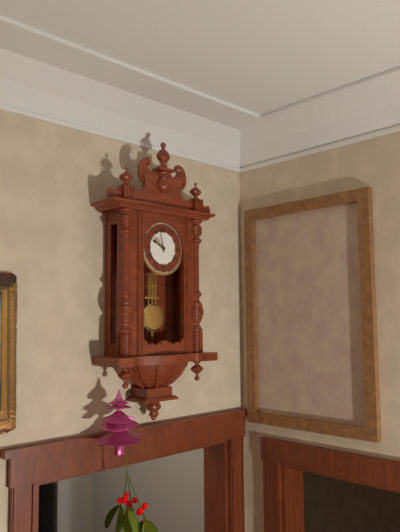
9.58
